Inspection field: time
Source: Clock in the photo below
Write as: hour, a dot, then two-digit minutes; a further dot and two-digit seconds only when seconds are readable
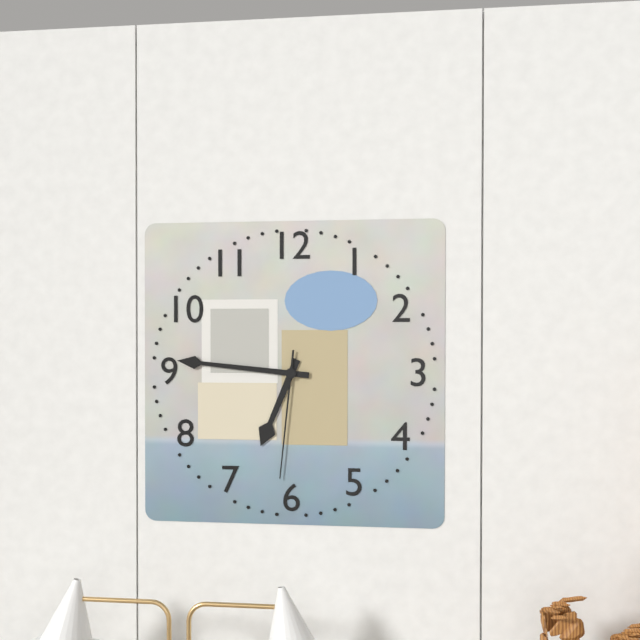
6.46.31
